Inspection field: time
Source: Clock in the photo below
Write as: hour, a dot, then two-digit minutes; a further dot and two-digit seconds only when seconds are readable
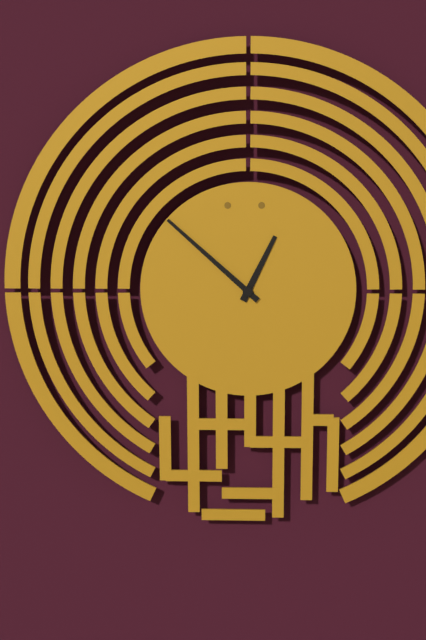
12.52
